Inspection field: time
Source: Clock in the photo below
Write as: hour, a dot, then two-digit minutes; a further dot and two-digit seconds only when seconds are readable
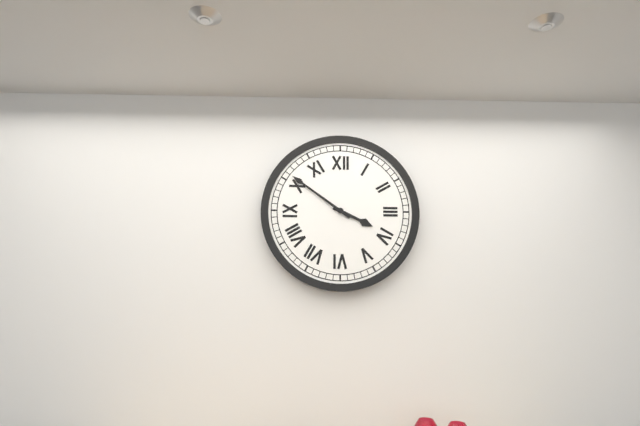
3.51
